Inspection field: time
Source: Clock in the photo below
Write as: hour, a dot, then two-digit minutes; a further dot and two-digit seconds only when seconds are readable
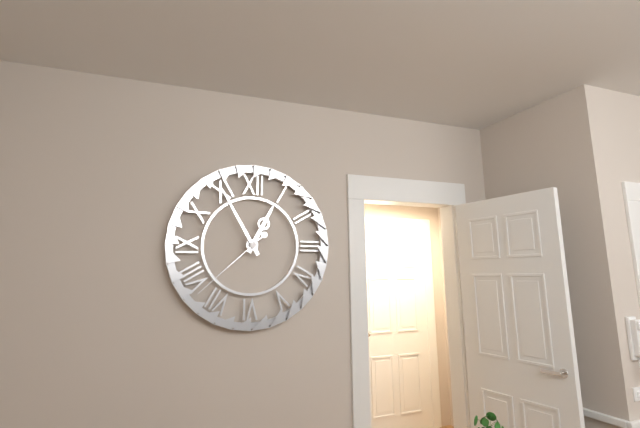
12.55.38
